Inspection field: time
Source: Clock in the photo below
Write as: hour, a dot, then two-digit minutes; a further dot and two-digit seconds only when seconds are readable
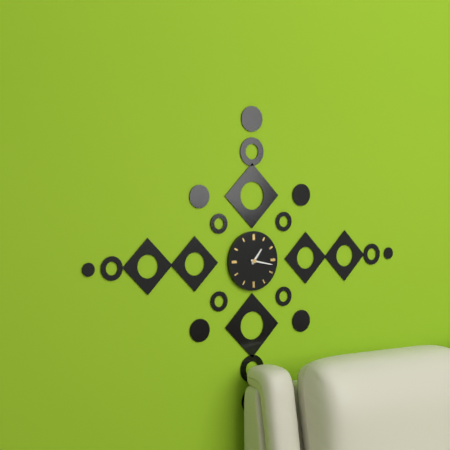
1.17
